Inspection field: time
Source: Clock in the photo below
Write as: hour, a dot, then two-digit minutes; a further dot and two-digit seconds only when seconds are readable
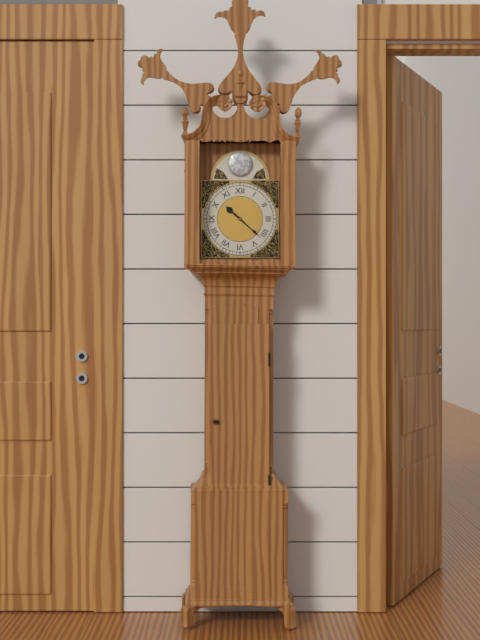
10.22
